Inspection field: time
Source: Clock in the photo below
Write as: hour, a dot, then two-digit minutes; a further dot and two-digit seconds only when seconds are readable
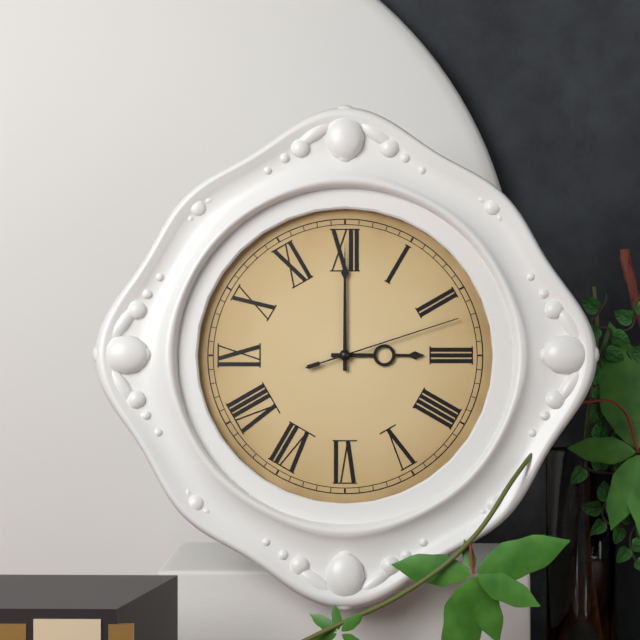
3.00.12
